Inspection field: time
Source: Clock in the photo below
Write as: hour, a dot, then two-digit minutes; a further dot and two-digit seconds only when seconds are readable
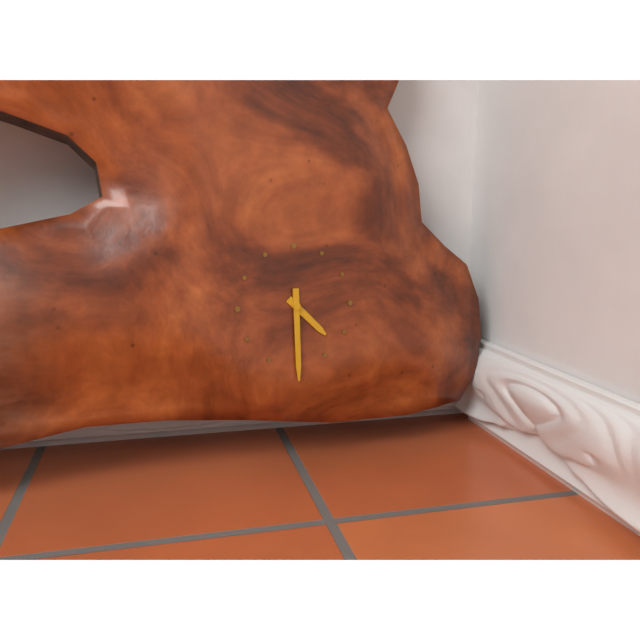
4.30
